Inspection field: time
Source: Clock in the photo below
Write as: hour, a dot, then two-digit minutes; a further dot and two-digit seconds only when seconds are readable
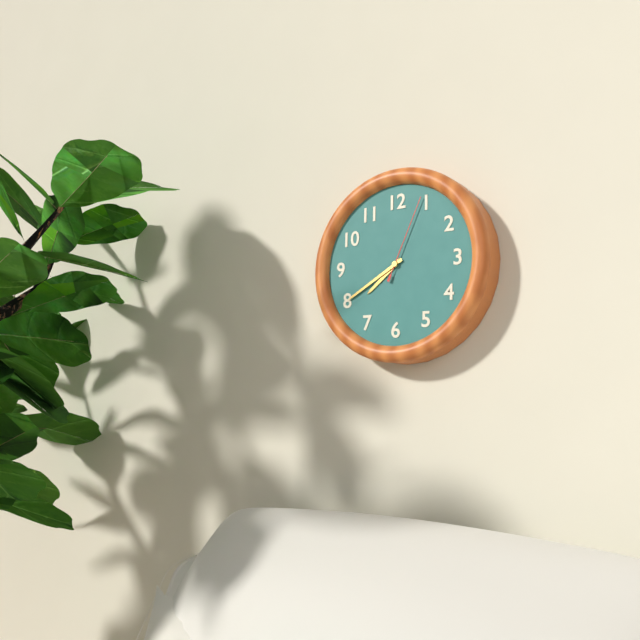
7.40.04
